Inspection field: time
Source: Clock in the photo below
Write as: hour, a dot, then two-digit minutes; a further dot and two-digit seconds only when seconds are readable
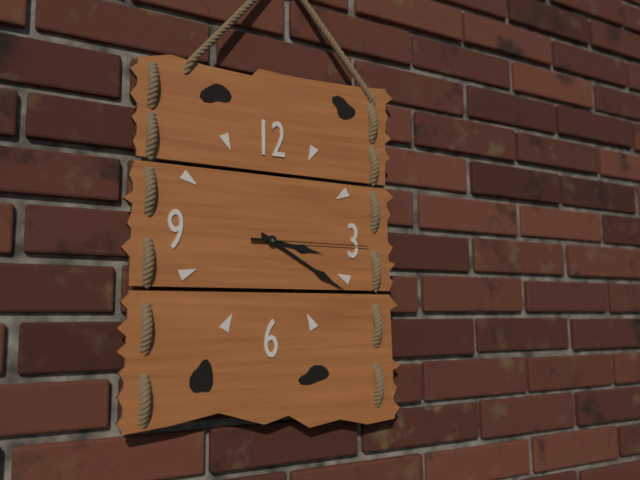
3.20.15
